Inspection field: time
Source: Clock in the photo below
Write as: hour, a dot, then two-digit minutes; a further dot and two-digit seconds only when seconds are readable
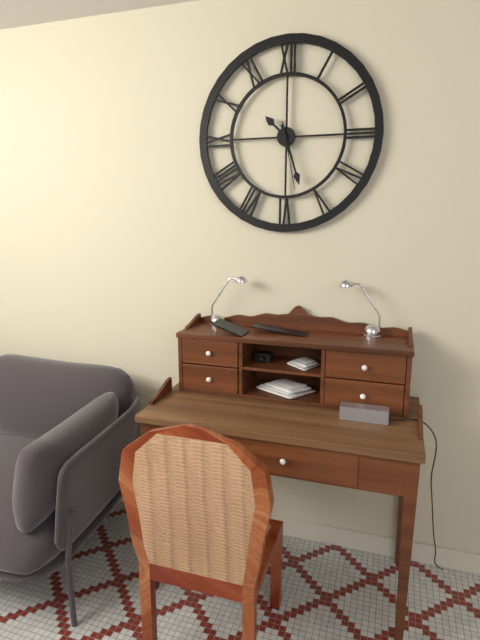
10.27.28
